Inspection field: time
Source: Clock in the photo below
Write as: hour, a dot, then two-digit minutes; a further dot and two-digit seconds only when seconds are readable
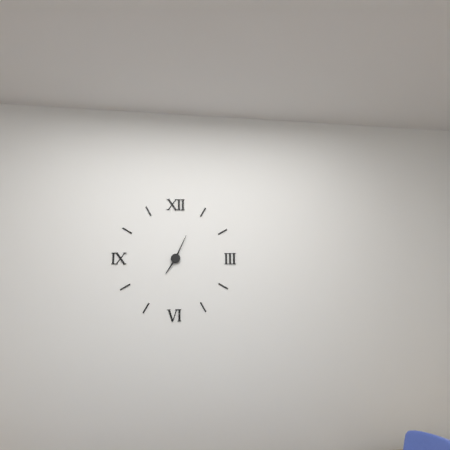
7.04
